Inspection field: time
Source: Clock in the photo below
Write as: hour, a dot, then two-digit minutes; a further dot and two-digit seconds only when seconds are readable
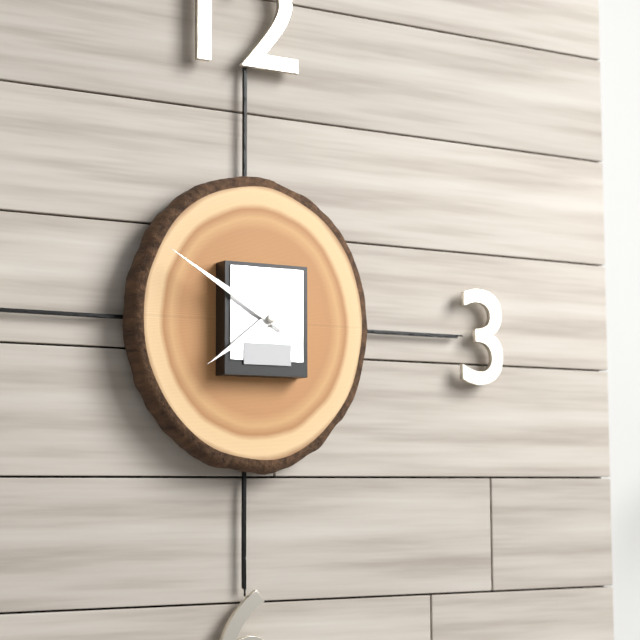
7.50
